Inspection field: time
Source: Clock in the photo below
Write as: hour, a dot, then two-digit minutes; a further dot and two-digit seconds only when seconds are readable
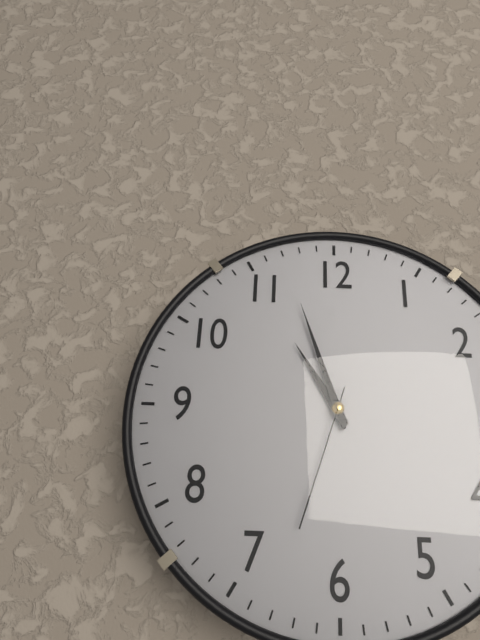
10.57.33
